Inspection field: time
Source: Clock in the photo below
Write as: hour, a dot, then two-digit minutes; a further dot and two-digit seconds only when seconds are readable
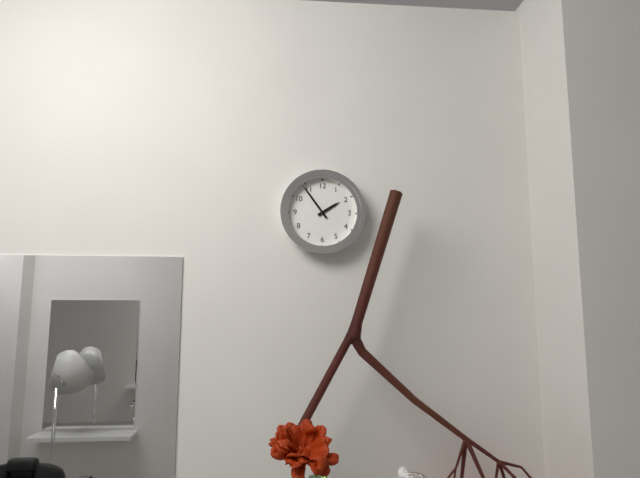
1.54
